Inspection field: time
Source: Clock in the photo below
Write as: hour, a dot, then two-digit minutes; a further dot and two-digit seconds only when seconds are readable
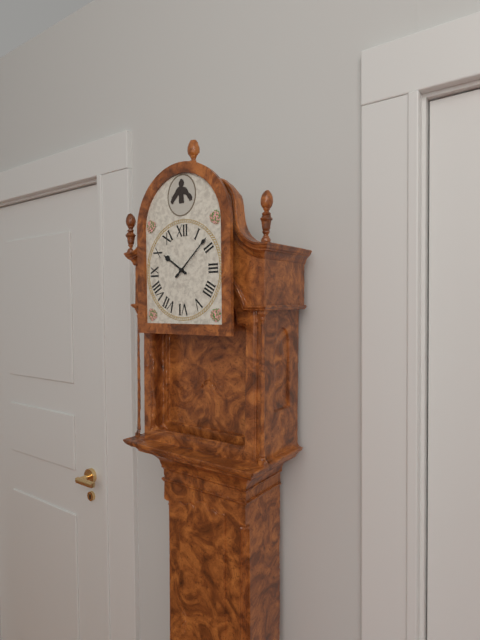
10.08
